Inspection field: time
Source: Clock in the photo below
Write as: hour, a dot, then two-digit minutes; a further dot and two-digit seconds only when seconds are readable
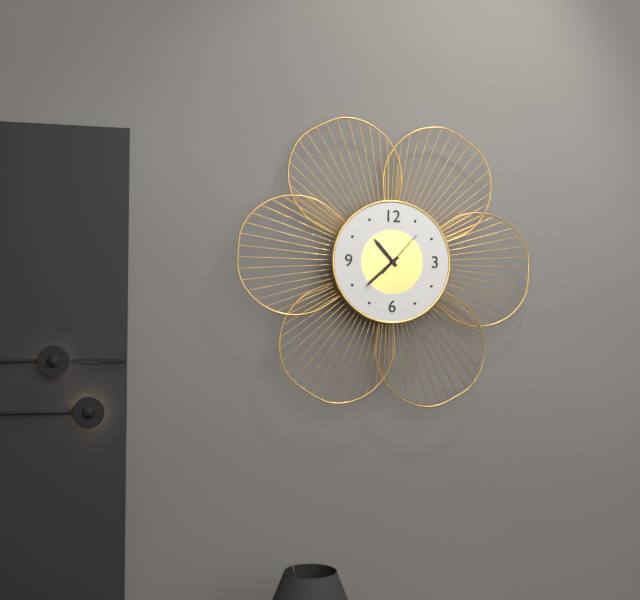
10.38
